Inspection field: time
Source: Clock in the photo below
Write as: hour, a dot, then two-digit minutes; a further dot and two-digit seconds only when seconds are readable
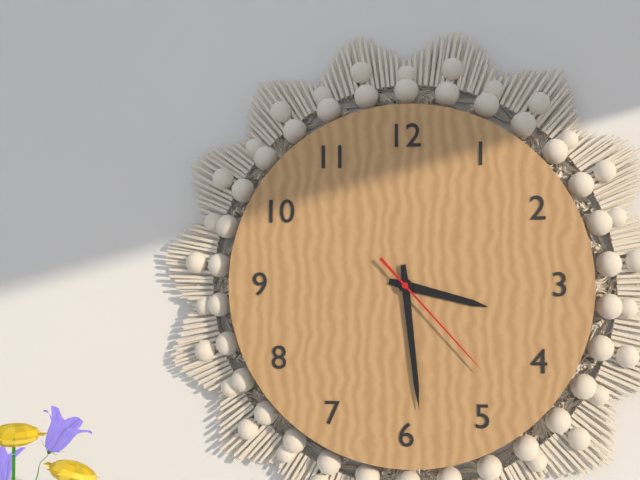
3.29.23
